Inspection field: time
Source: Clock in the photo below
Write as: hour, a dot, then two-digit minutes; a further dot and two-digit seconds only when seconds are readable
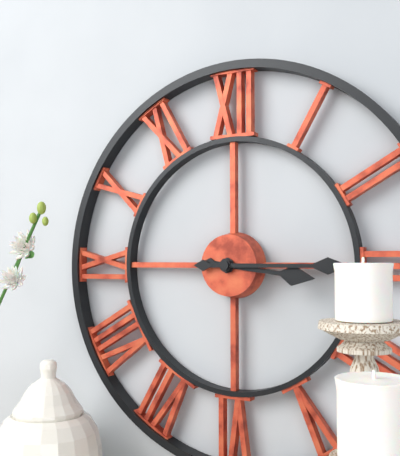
3.15
